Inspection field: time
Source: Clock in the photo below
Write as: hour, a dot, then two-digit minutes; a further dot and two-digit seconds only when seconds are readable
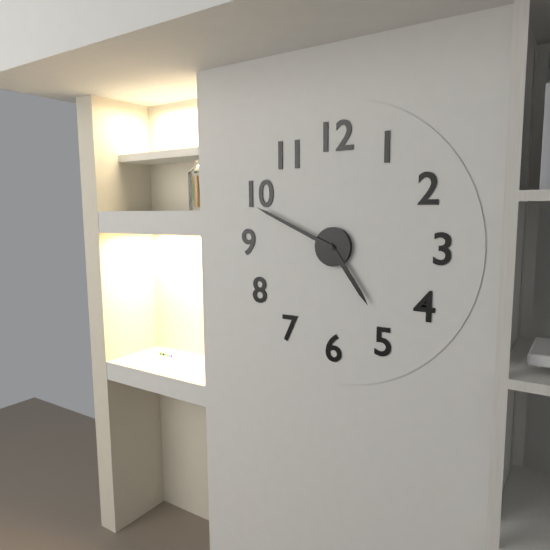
4.49
